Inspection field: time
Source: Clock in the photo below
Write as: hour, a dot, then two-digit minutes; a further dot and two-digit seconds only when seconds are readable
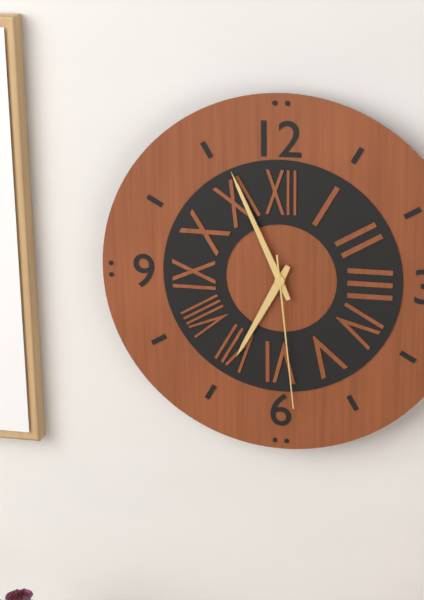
6.56.29
